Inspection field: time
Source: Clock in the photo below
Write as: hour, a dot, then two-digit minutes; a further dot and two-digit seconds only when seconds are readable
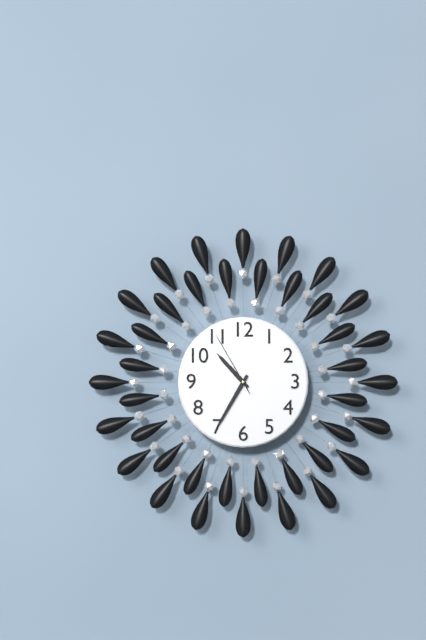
10.35.55
